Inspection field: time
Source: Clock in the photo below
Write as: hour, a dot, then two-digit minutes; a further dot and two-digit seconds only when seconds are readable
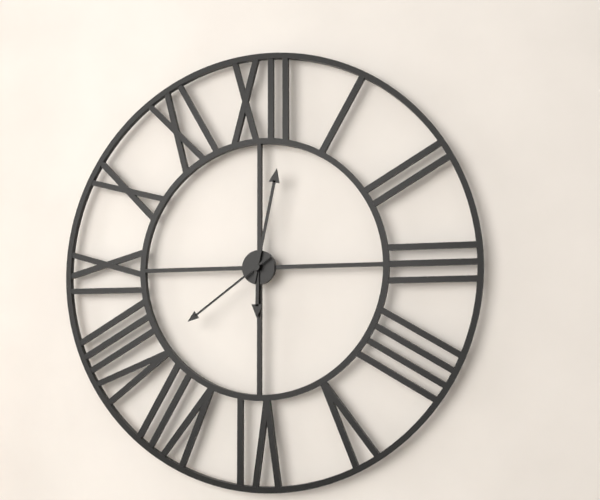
6.02.39
